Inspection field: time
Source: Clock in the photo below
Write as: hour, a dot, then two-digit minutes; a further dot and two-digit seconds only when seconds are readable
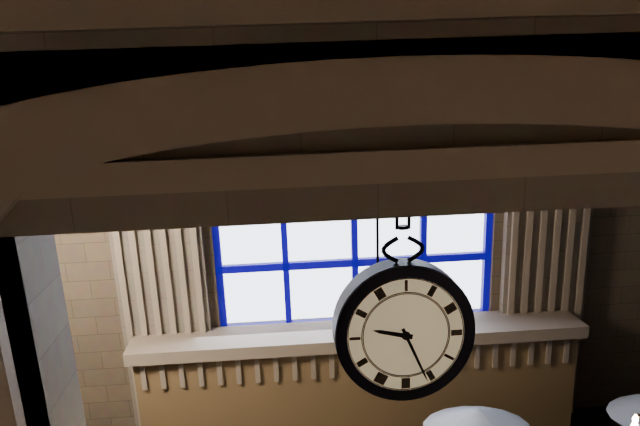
9.26
